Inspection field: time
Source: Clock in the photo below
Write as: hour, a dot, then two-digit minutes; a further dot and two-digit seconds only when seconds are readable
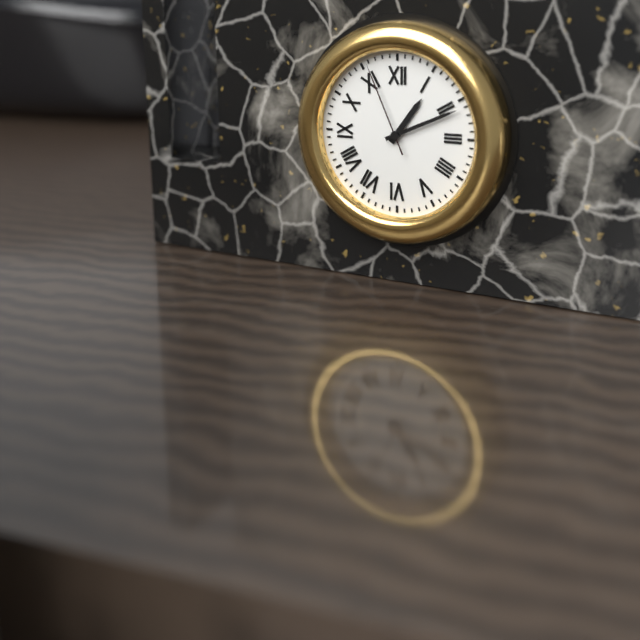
1.11.56
